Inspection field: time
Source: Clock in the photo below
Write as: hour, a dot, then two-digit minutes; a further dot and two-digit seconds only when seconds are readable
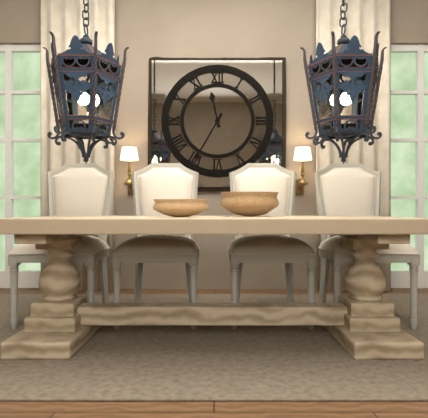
11.35
